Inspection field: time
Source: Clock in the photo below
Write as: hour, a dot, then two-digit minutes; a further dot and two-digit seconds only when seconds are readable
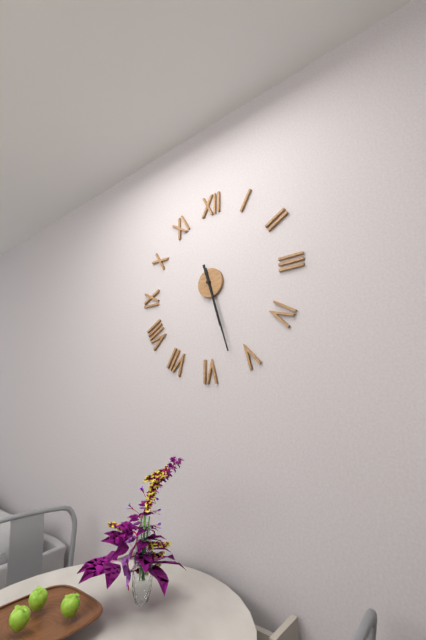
5.27
